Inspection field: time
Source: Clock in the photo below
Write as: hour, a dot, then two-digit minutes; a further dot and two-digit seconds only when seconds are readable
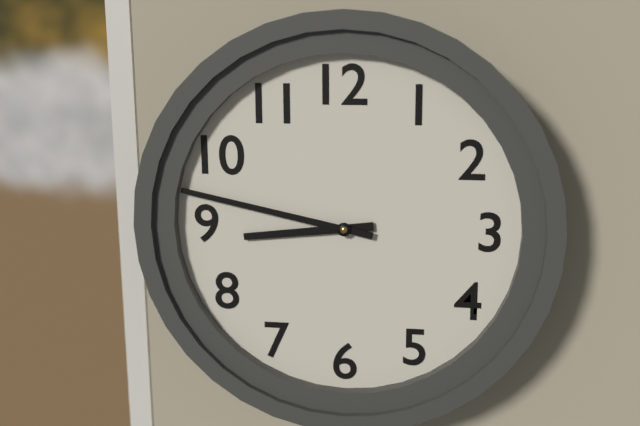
8.47
